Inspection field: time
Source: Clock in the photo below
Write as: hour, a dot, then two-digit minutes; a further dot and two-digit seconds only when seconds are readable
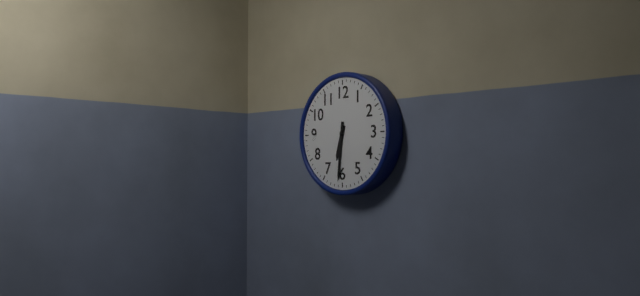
6.31
